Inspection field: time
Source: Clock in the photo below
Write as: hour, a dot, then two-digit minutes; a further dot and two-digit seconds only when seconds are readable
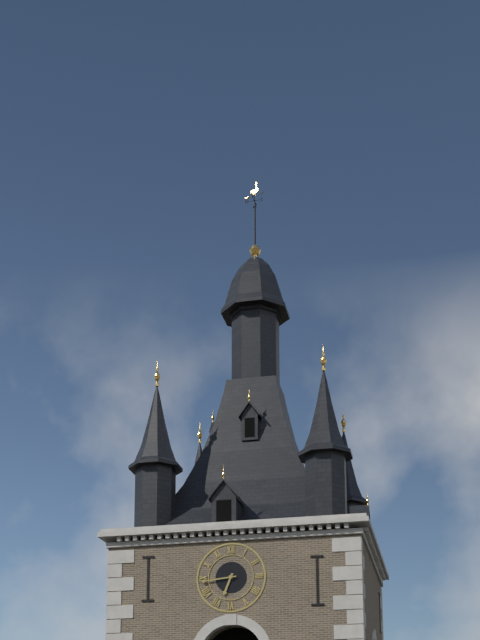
6.44
